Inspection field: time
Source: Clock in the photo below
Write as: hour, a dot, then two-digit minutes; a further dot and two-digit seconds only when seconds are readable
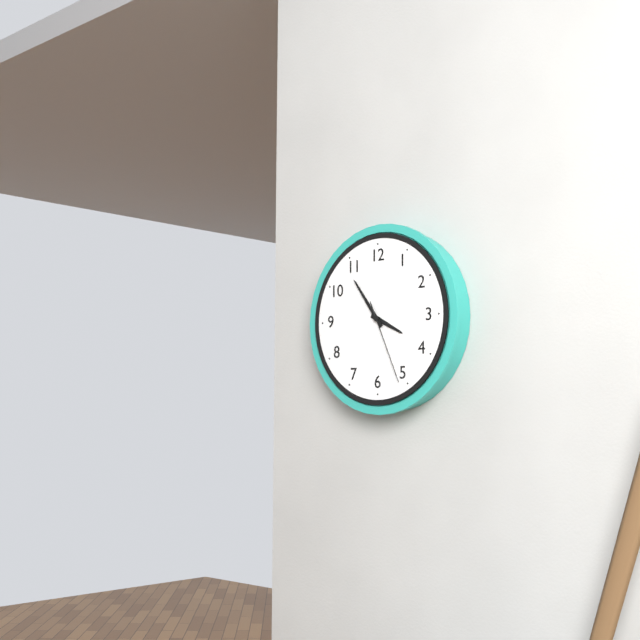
3.54.26
